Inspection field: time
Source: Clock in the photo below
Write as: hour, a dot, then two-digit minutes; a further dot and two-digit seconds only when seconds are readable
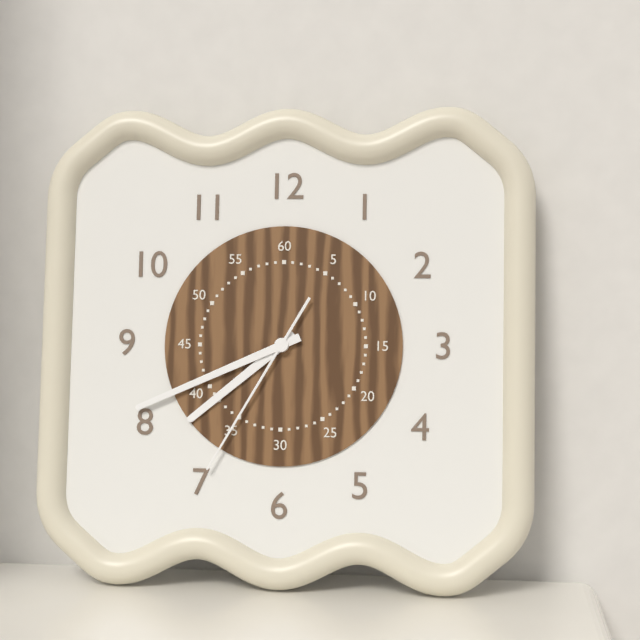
7.41.35
